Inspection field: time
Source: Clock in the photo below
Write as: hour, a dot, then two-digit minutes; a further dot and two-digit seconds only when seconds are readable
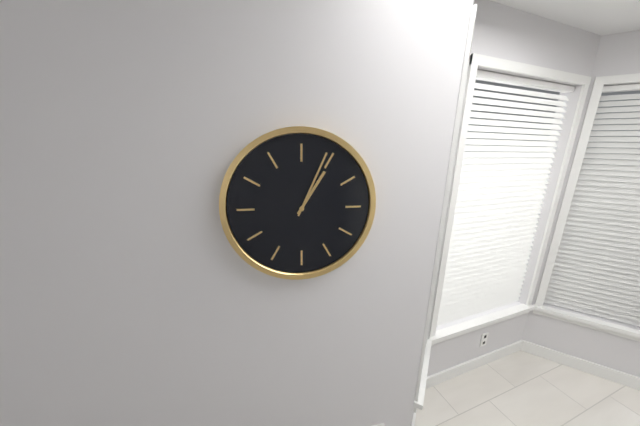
1.04
